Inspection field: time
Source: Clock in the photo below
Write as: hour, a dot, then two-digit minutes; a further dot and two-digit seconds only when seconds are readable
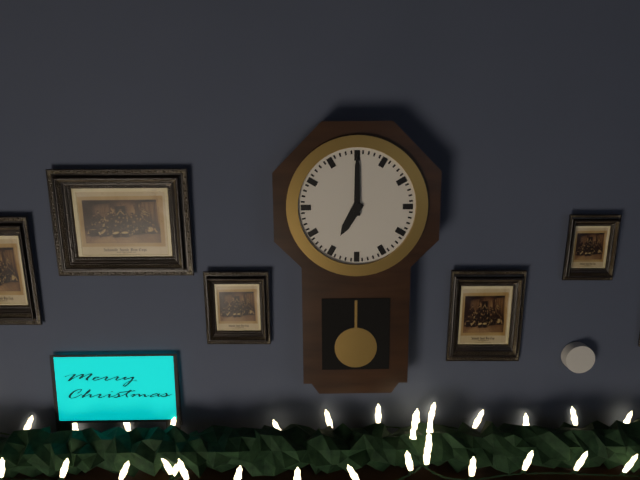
7.00
